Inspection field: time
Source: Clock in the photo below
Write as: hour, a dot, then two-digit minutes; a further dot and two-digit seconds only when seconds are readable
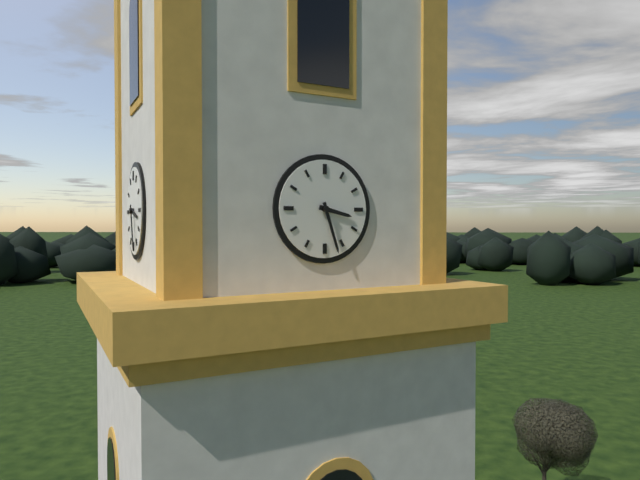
3.27
